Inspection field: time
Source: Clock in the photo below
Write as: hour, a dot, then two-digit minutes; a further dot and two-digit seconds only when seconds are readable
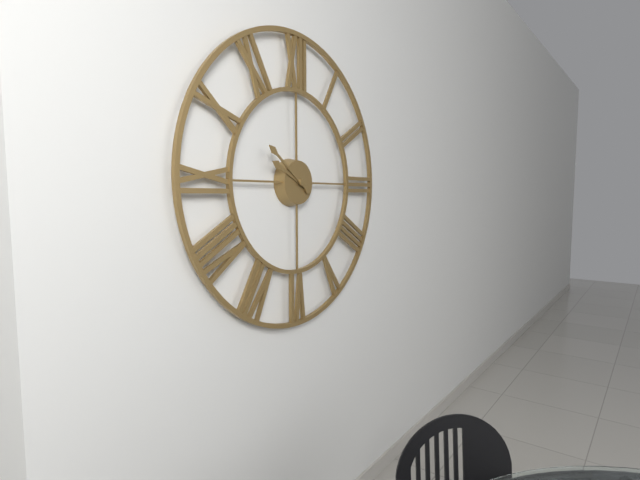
9.51
